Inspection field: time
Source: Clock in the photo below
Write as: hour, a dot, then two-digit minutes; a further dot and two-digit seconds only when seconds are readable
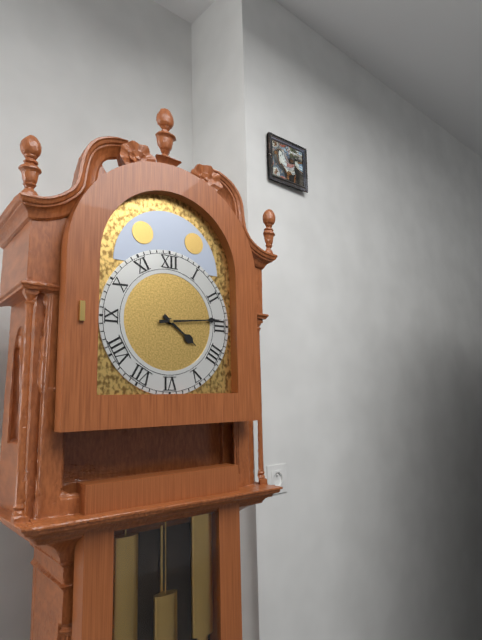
4.14
